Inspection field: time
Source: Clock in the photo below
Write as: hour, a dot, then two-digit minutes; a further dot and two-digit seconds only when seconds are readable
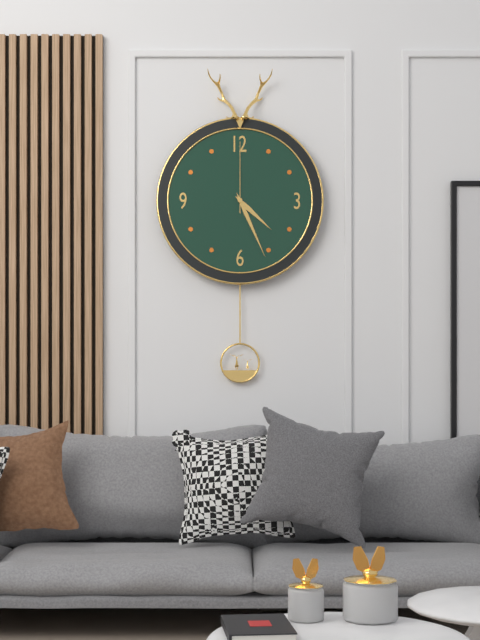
4.26.00
